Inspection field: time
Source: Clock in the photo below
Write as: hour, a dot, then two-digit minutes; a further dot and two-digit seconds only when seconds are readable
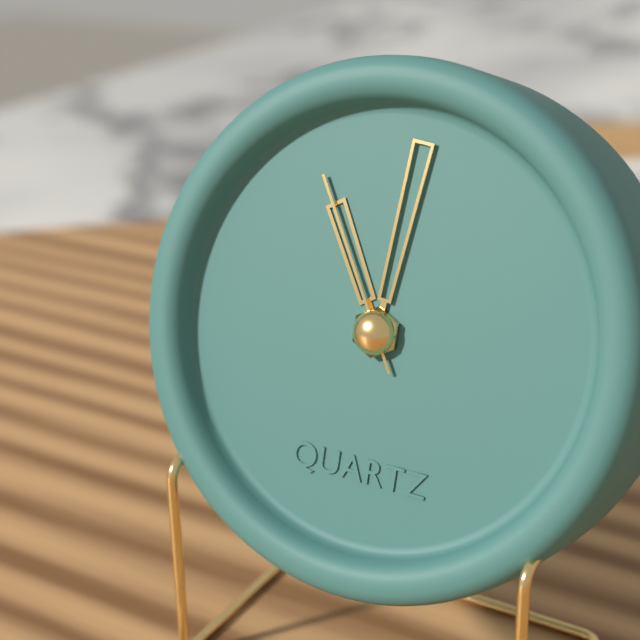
11.01.55
